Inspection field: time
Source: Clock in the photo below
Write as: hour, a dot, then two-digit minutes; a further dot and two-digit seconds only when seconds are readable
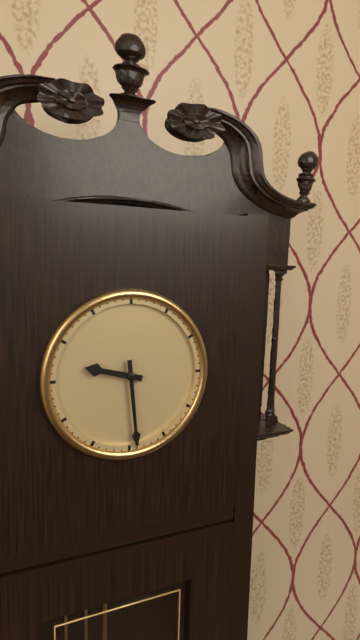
9.29
